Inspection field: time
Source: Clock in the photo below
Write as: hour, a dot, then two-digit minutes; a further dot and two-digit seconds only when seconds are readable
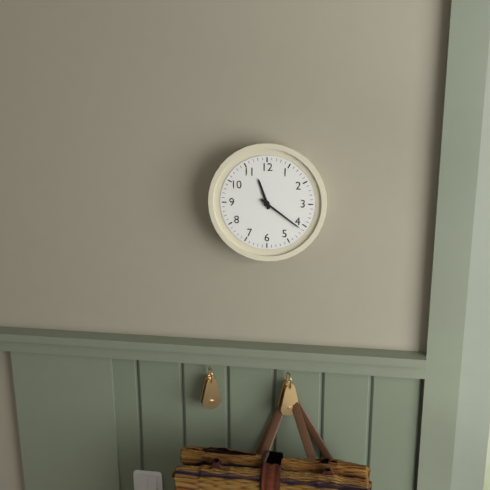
11.21
